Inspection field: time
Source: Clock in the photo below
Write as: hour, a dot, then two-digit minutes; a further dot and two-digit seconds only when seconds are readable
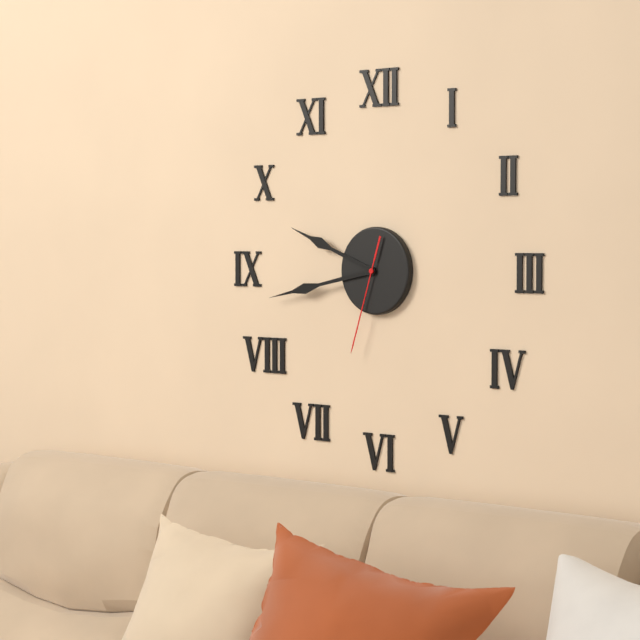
9.43.33
